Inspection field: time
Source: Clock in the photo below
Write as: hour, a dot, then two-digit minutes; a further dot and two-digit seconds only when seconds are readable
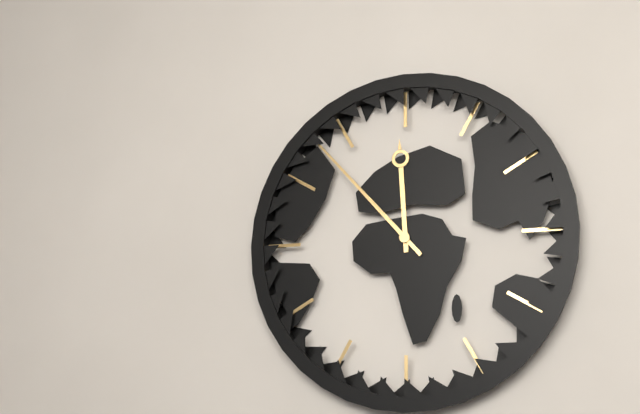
11.53
